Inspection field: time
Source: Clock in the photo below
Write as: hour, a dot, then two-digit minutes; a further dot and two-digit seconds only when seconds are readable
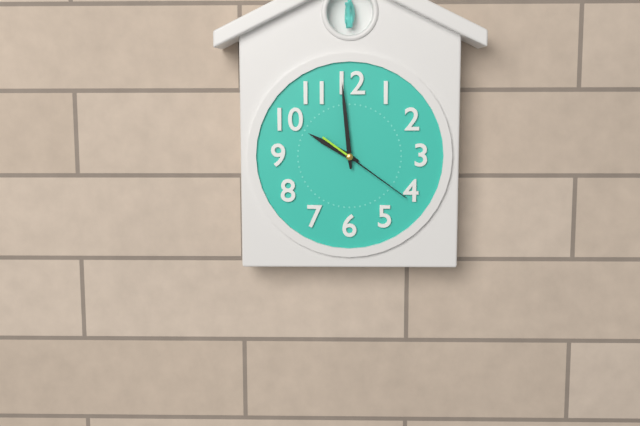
9.59.21
